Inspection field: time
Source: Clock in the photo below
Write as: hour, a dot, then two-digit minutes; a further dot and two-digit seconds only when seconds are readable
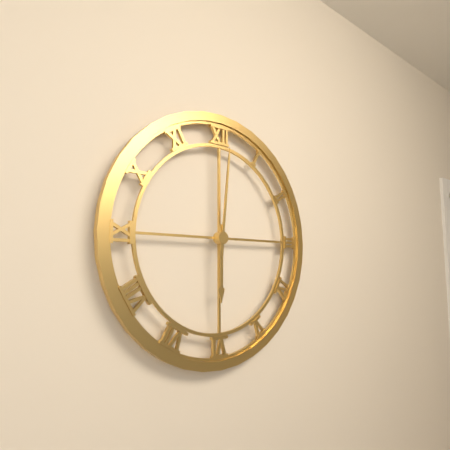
6.01
